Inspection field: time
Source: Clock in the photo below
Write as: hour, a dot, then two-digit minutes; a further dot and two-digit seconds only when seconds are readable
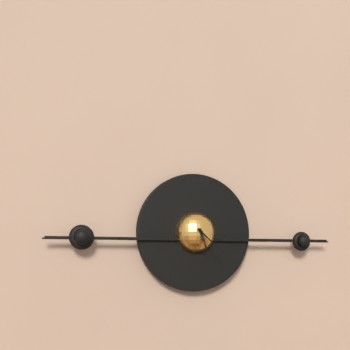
5.22
